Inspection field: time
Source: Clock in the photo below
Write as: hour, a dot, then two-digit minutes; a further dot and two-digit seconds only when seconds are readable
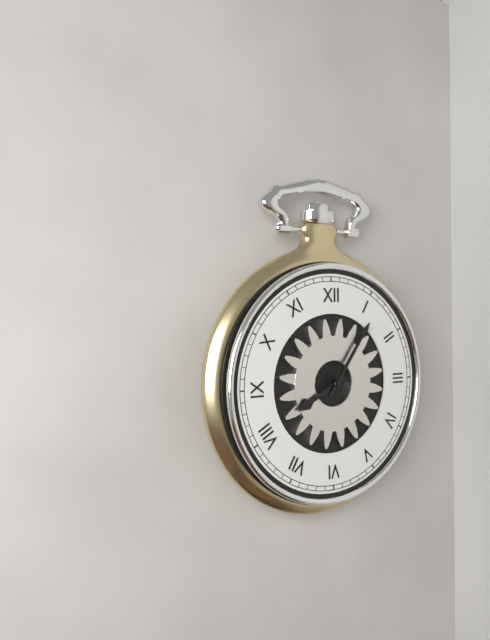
8.06
